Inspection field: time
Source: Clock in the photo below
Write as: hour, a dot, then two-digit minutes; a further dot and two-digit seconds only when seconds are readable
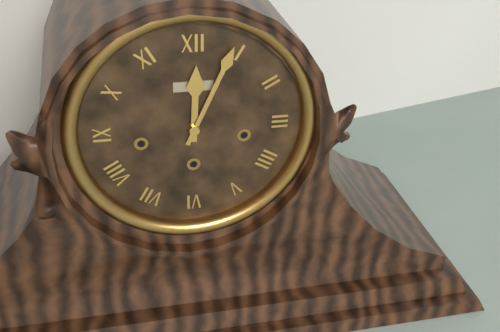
12.04
